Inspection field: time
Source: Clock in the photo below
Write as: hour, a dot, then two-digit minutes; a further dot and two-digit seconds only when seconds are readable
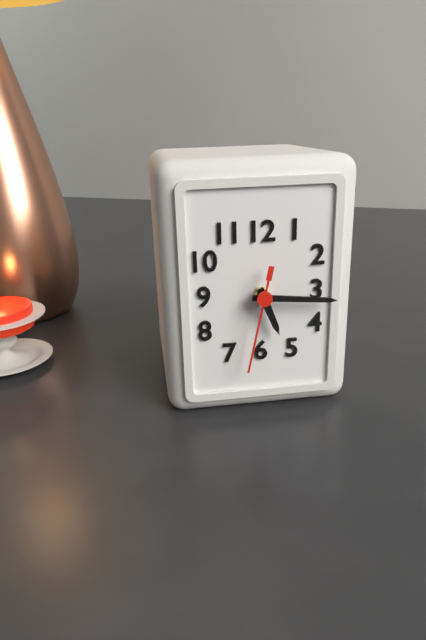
5.16.32
